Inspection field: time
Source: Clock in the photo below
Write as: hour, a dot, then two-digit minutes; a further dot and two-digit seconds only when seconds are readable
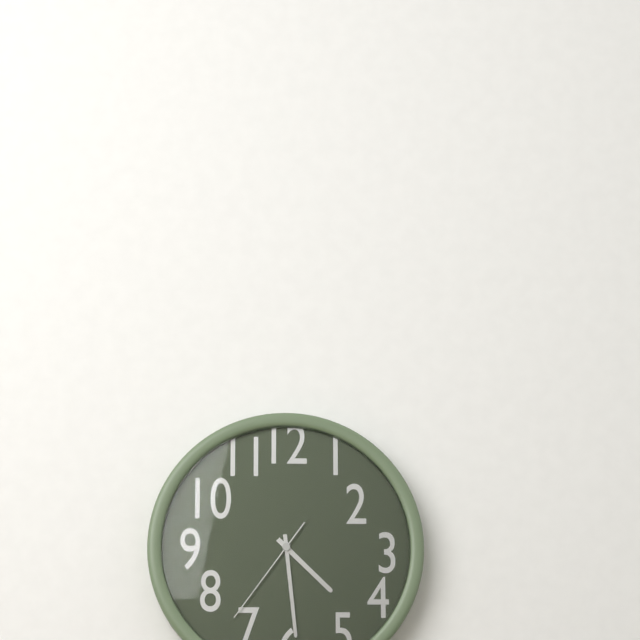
4.29.36
